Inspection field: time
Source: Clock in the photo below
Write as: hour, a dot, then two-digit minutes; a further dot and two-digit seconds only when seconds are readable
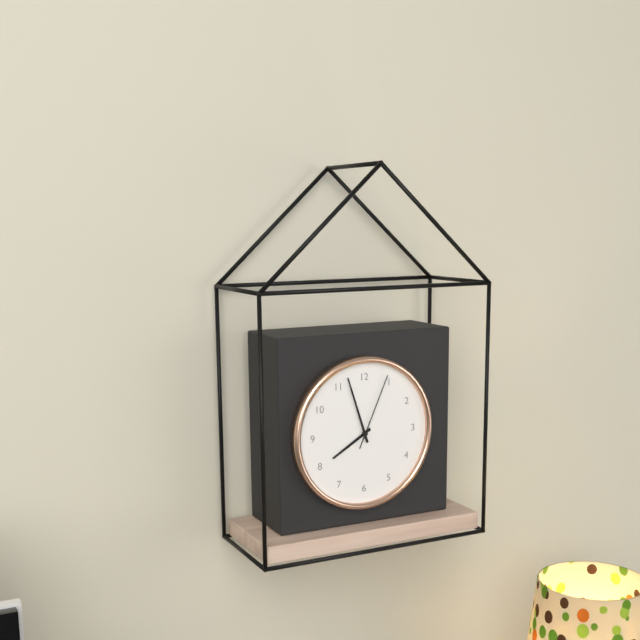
7.57.04
